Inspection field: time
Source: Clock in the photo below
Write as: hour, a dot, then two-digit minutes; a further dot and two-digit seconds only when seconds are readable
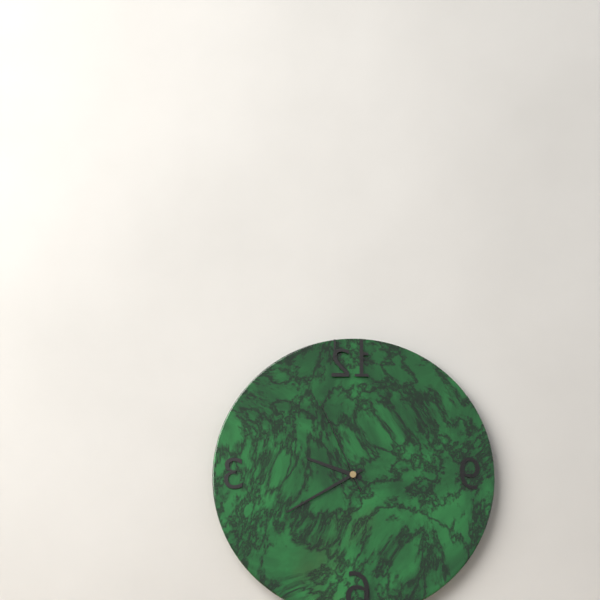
9.40.56
